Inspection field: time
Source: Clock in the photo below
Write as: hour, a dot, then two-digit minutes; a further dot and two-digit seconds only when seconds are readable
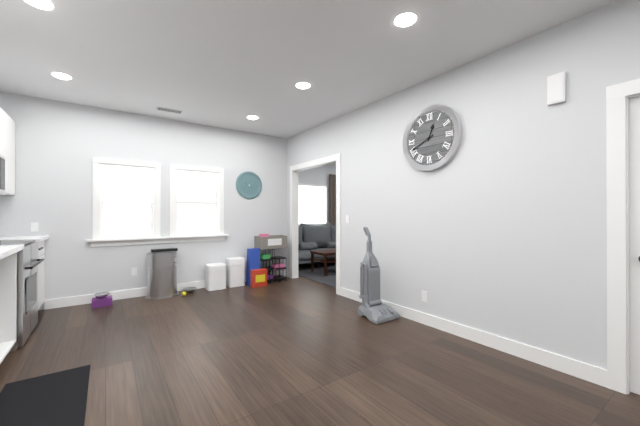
12.41
